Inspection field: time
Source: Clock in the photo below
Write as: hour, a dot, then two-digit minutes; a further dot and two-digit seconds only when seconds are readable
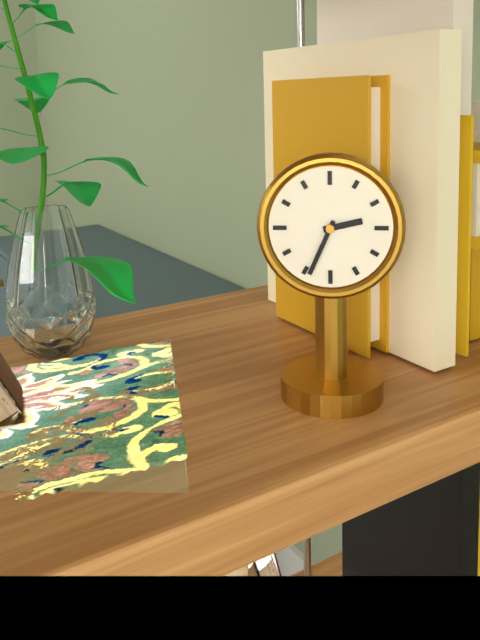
2.34
